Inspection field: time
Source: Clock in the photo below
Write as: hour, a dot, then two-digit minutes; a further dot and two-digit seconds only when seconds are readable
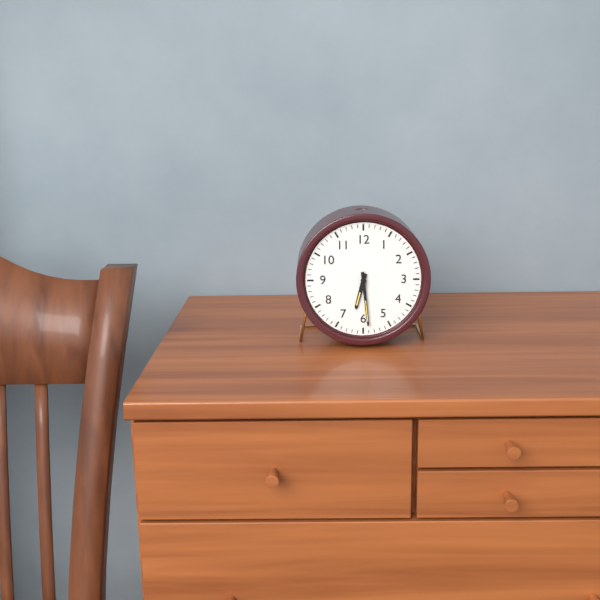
6.29
